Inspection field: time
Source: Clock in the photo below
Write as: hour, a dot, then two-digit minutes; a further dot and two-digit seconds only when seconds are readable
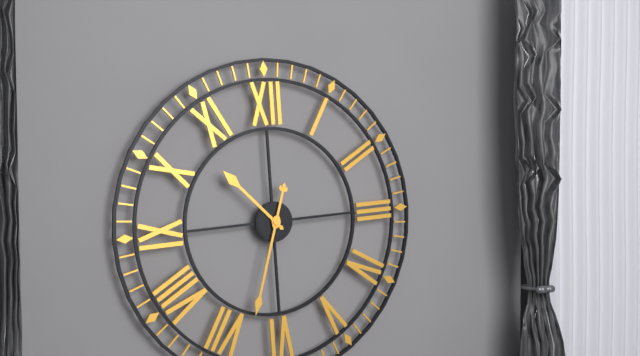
10.33
